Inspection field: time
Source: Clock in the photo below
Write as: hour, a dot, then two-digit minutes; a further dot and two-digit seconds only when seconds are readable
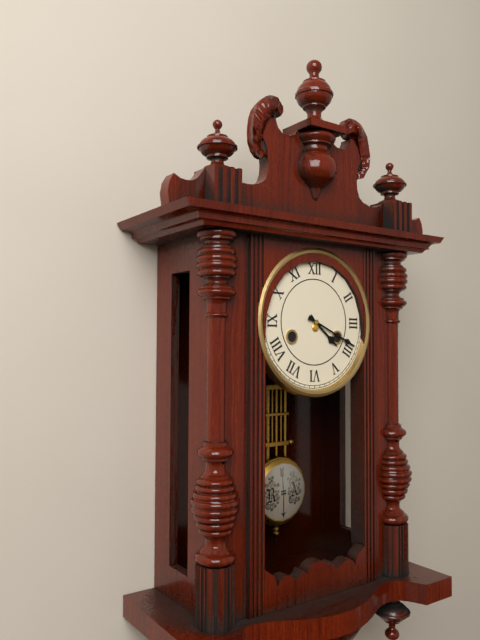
4.19
